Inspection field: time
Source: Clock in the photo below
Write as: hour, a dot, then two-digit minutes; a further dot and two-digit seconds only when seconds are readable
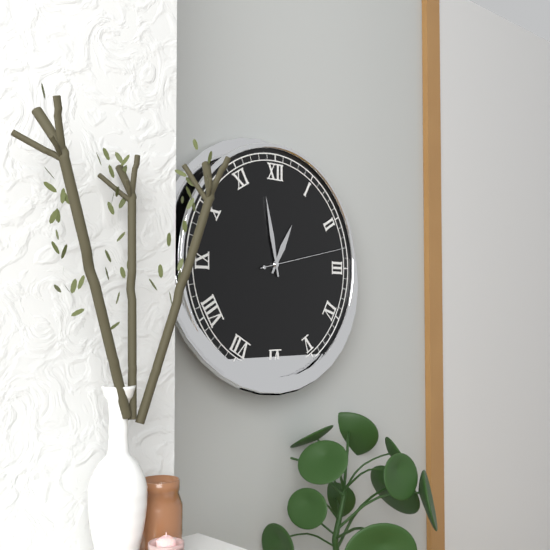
12.58.13
